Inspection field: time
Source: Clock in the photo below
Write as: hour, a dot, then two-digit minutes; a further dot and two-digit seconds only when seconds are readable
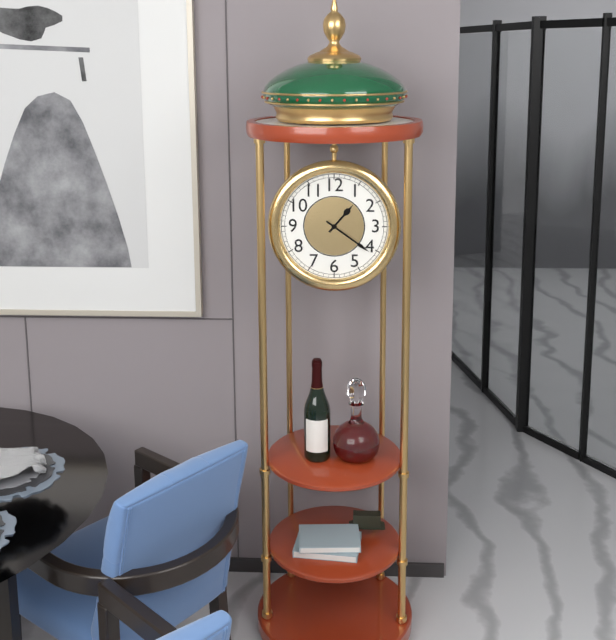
1.21
